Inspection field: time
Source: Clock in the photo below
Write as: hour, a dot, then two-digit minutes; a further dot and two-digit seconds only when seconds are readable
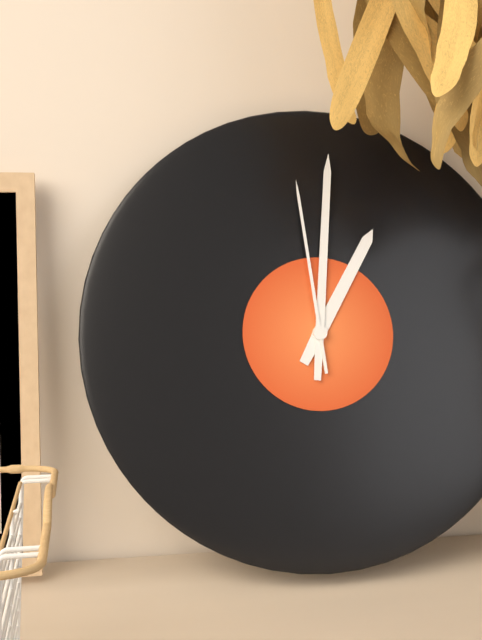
1.01.59
